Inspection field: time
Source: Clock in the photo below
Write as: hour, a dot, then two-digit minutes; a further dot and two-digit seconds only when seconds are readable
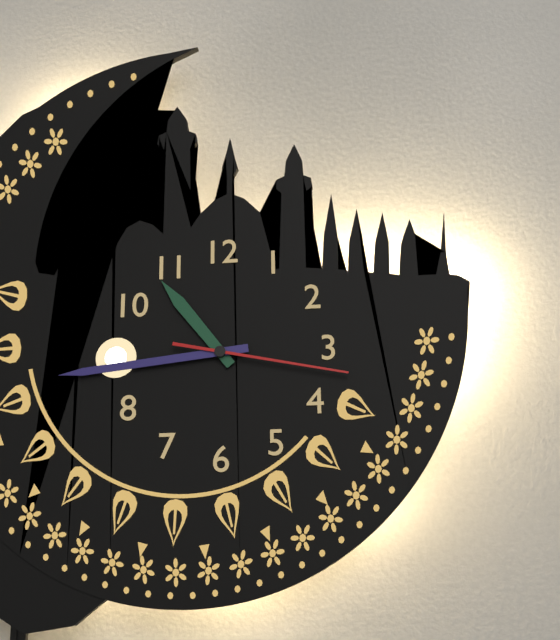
10.44.17
